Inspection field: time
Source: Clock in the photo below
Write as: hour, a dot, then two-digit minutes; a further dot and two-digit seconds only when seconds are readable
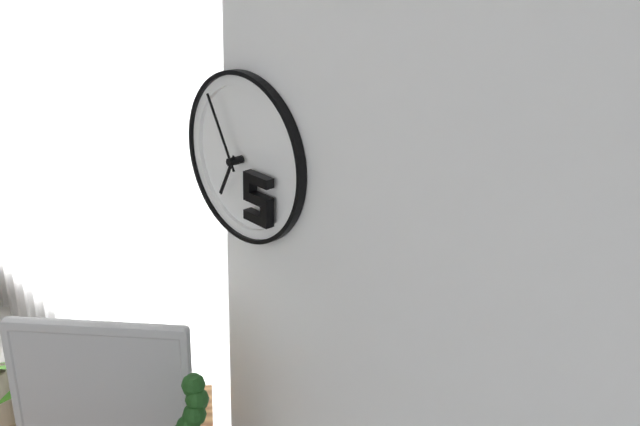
6.55
